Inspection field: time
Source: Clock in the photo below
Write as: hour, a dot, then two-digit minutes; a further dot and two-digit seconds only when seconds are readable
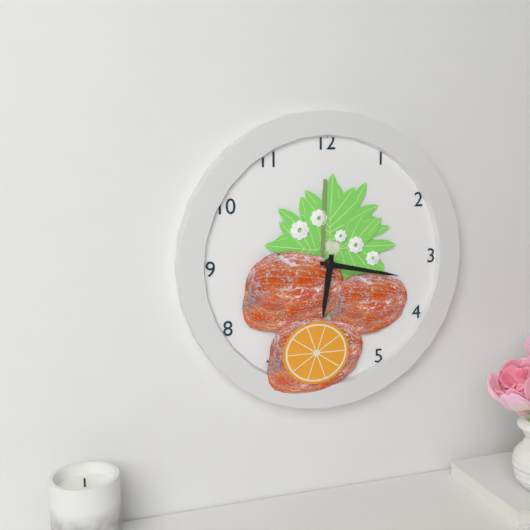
6.17
